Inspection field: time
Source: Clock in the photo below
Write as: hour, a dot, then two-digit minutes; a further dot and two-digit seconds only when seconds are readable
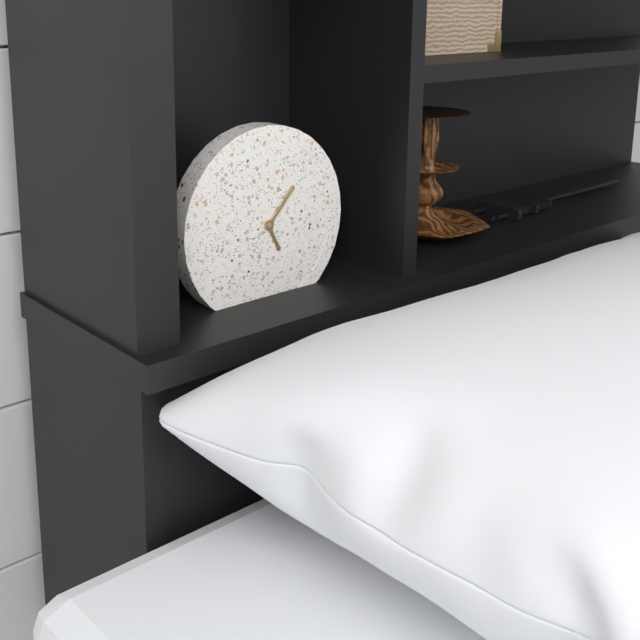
5.07
